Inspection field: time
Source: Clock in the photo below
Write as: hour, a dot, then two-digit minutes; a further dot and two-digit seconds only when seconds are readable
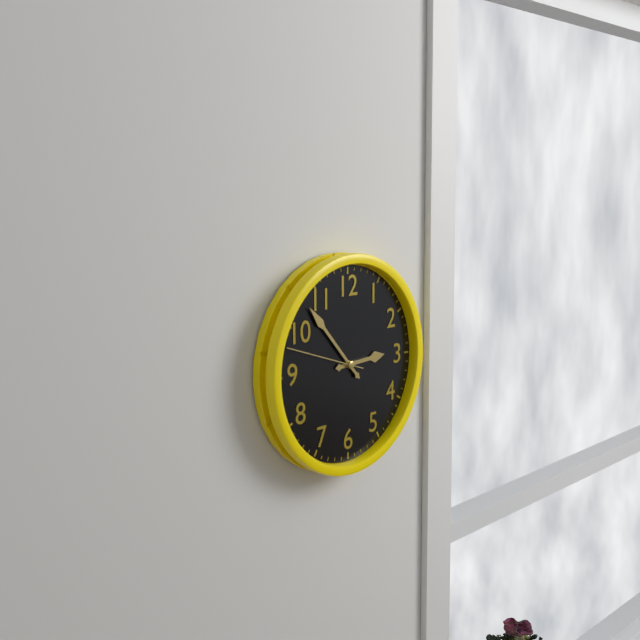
2.53.48
